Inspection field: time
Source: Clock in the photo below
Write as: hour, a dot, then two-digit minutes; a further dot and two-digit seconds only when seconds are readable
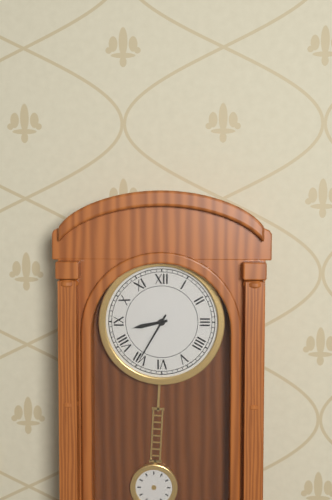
8.35
